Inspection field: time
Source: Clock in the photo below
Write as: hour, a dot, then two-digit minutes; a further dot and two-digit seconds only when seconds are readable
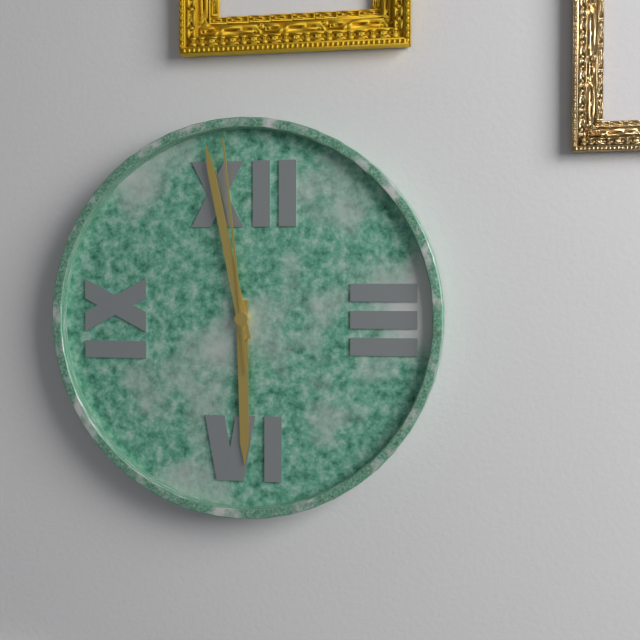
5.58.59
